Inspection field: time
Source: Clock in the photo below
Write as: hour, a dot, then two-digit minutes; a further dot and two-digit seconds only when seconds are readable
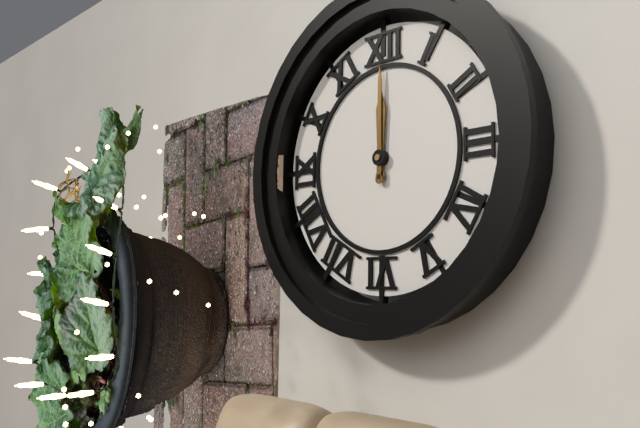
12.00
